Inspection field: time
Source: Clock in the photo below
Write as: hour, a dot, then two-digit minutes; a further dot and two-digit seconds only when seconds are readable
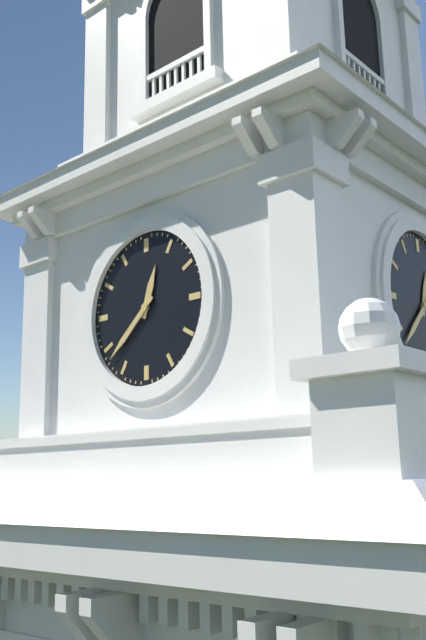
12.38
